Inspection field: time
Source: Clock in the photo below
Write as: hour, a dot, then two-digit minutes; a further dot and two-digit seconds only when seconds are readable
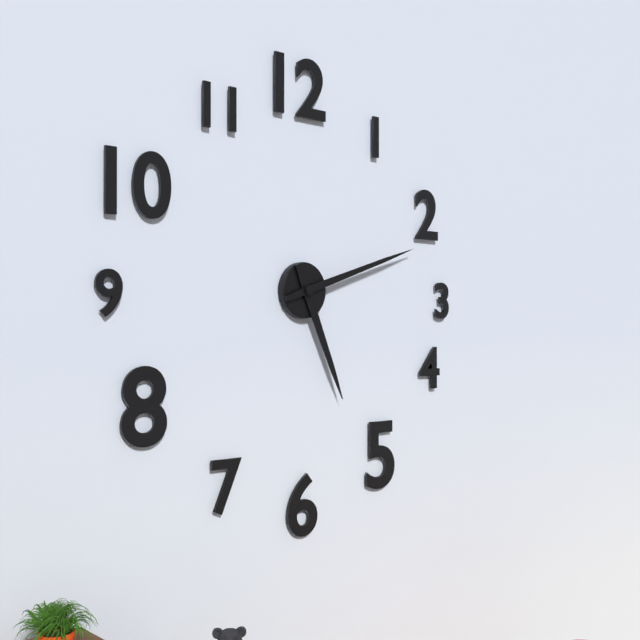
5.12
